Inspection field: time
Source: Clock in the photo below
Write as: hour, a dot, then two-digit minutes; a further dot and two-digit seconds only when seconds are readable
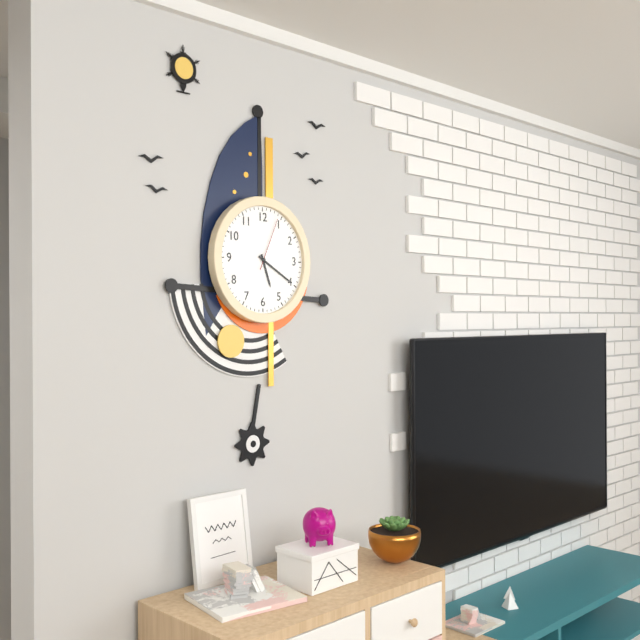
5.20.04
